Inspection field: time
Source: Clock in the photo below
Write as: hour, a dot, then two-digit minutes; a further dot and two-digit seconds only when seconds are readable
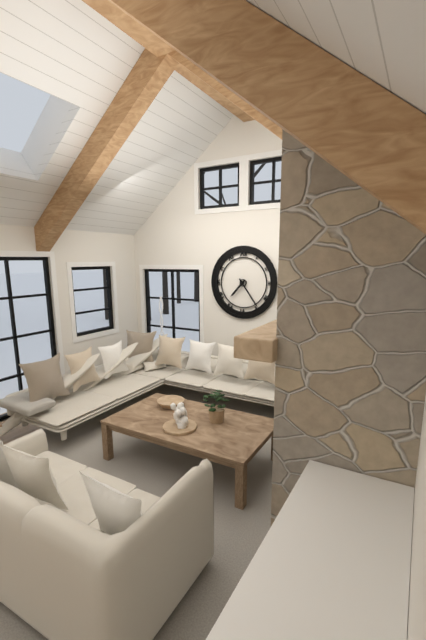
7.24
